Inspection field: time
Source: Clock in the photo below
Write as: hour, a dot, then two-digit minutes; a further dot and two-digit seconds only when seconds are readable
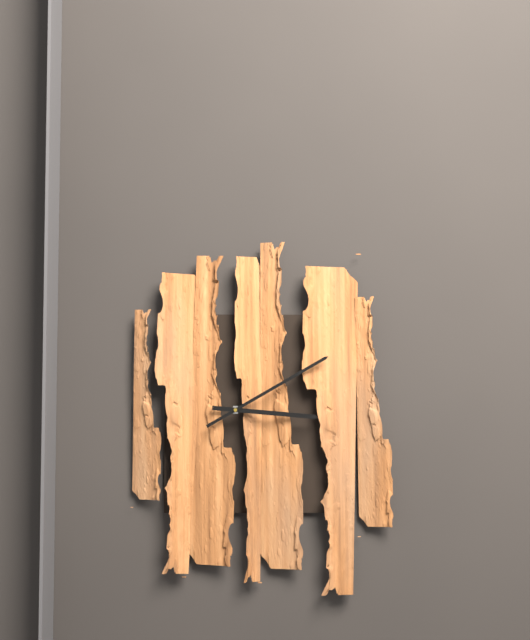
3.10
